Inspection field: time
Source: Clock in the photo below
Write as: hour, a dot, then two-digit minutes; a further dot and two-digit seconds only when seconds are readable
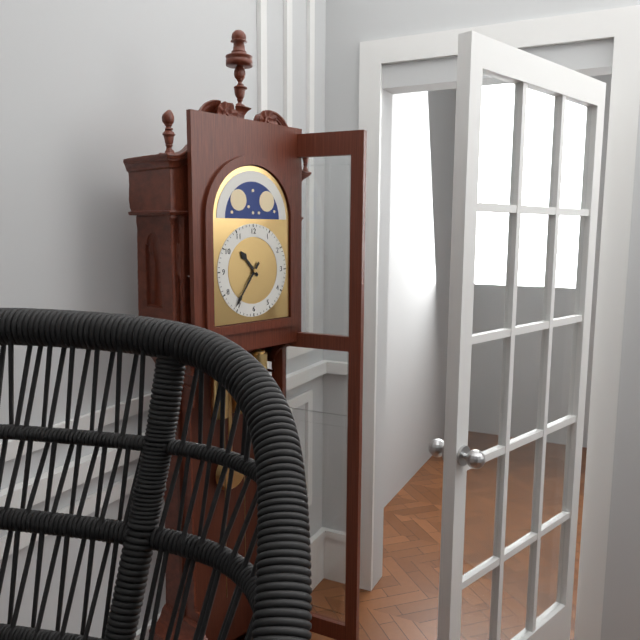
10.36
